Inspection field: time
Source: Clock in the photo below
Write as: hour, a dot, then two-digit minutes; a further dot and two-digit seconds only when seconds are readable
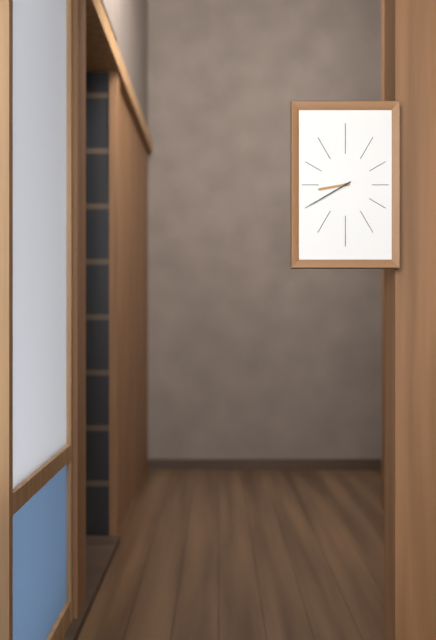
8.40
